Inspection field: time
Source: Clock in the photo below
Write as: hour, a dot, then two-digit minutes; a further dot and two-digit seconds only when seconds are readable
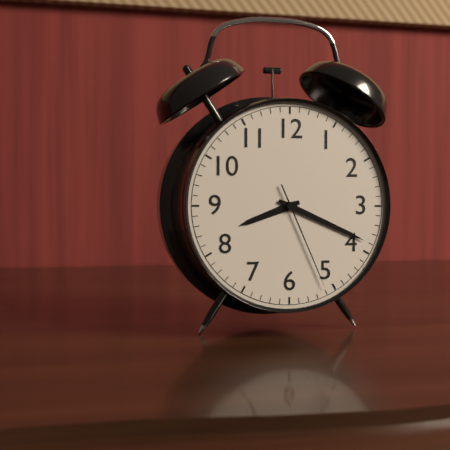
8.19.26
